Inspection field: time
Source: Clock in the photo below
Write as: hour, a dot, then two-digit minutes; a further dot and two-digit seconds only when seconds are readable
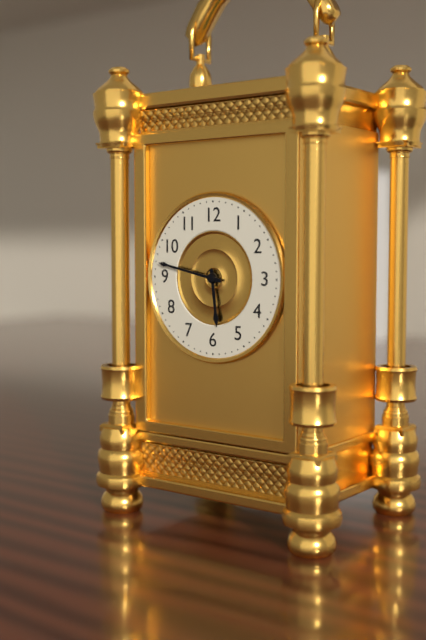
5.47
